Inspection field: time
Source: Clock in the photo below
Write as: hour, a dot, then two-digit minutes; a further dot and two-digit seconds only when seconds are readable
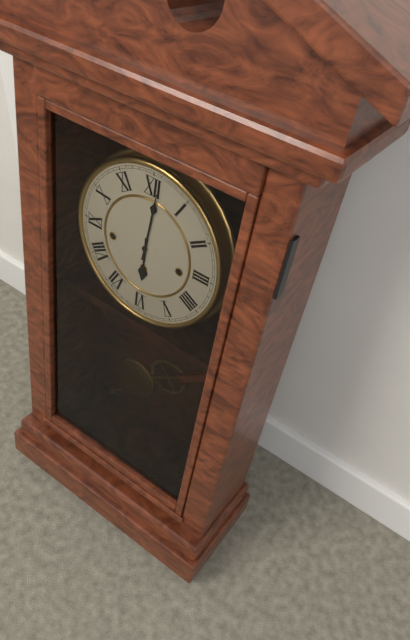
6.01
